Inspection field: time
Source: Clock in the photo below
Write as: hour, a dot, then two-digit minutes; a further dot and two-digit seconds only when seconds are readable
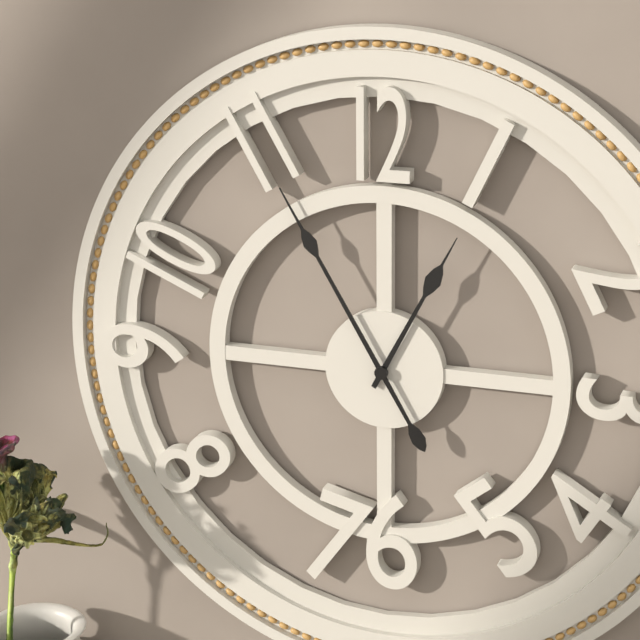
12.55
